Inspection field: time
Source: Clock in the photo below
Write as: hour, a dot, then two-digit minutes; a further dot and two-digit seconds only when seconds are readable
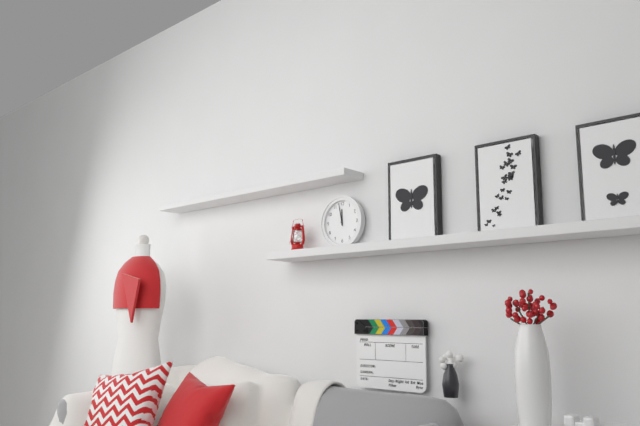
11.58
